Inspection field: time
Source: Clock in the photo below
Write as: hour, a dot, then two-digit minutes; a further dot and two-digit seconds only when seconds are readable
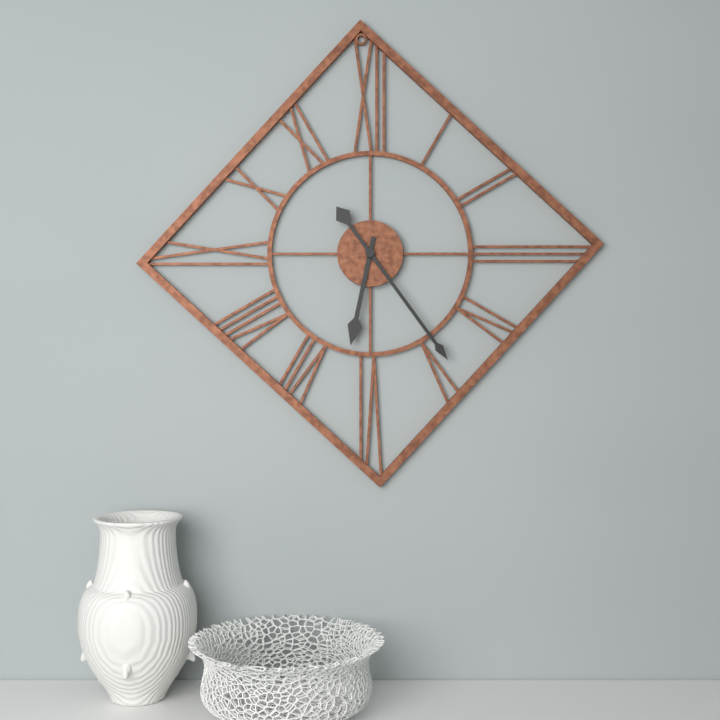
6.24
